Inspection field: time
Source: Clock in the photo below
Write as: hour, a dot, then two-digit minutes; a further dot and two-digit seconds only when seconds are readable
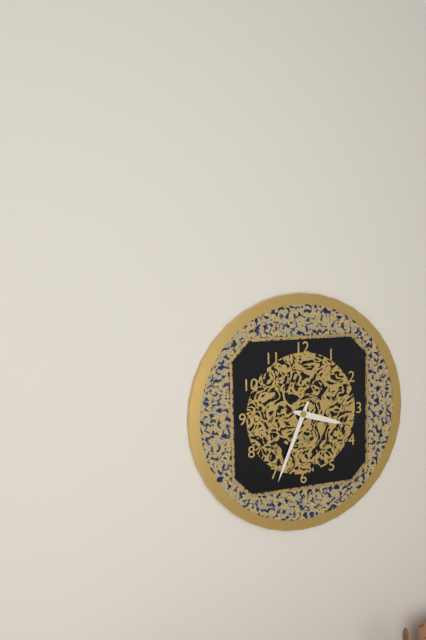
3.34
